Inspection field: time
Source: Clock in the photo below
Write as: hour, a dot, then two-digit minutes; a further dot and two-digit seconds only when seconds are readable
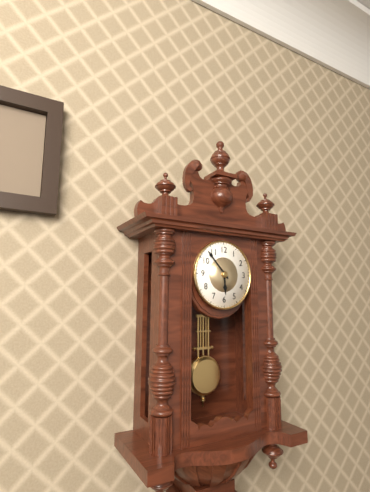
5.53
